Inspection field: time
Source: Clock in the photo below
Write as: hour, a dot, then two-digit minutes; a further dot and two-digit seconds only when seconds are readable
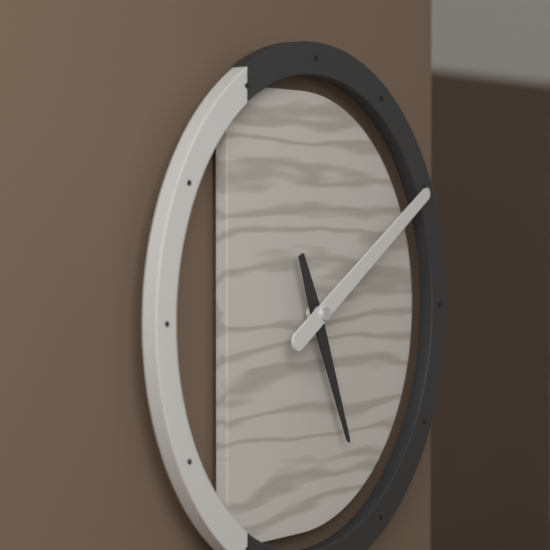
5.10
